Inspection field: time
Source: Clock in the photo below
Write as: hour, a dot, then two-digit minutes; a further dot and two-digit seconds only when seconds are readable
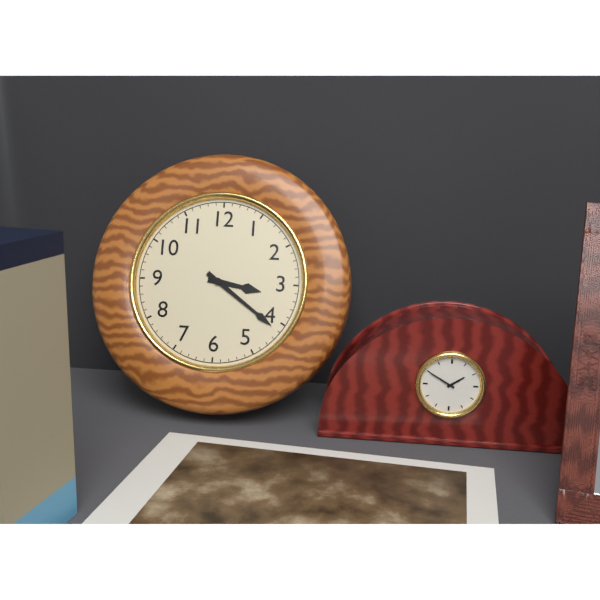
3.21
